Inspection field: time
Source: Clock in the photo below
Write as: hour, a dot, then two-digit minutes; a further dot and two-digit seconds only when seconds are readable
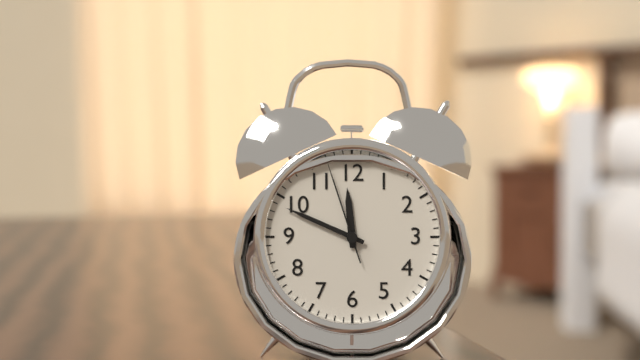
11.49.57
